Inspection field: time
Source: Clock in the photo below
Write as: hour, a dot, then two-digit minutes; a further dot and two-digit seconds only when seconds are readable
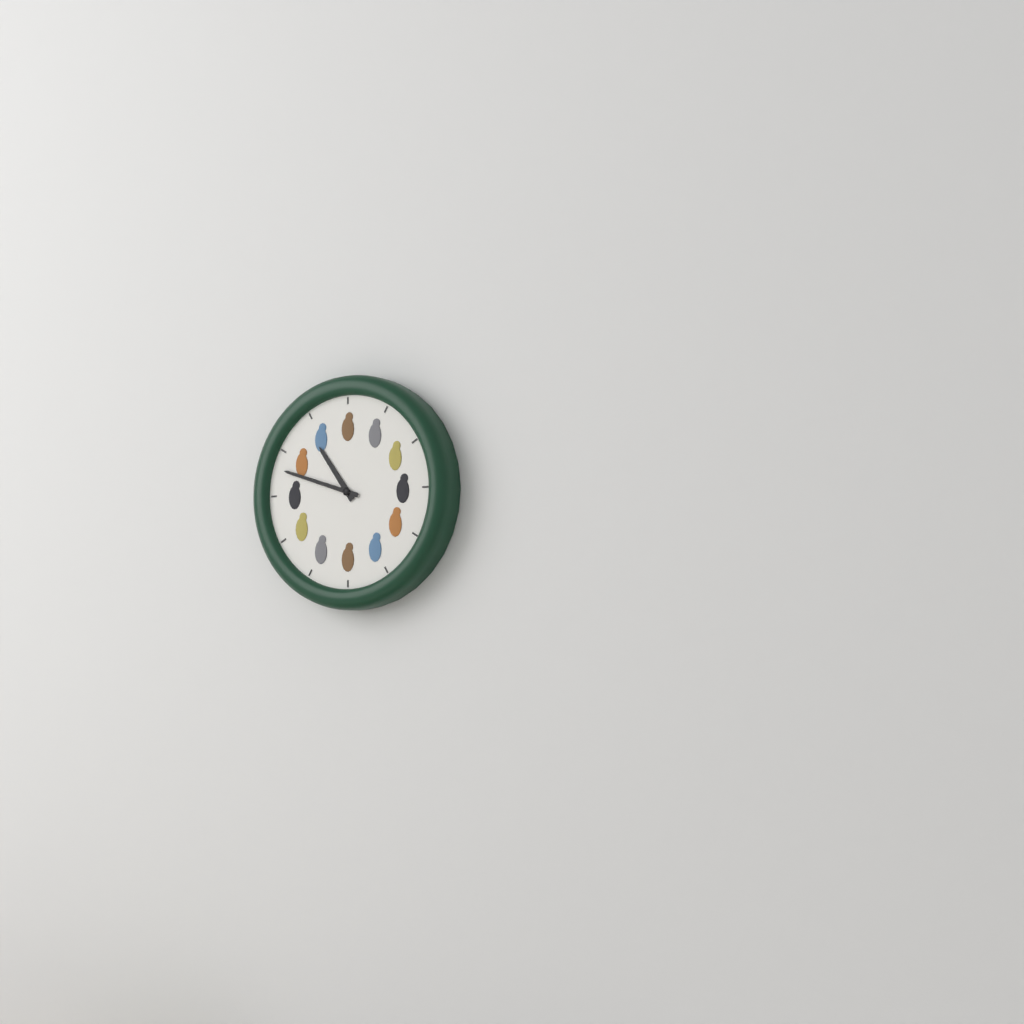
10.48
